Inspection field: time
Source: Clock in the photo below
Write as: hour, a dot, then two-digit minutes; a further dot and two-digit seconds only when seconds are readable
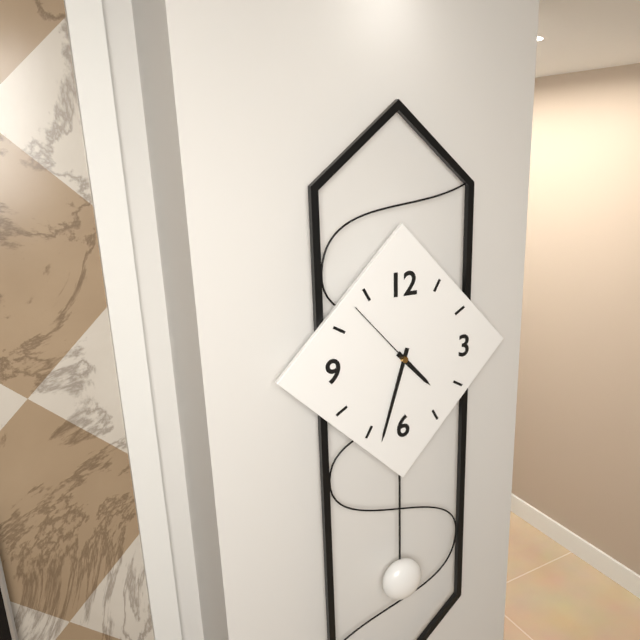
4.33.53
